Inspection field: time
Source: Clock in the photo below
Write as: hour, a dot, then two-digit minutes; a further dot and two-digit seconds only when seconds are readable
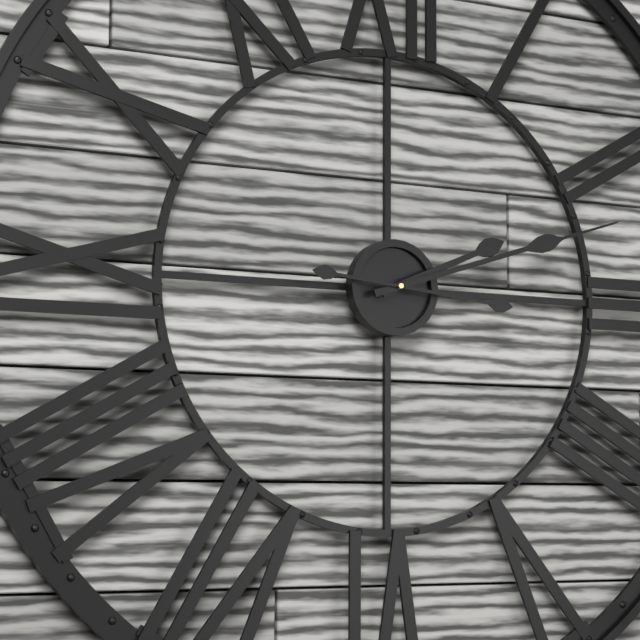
2.12.16
